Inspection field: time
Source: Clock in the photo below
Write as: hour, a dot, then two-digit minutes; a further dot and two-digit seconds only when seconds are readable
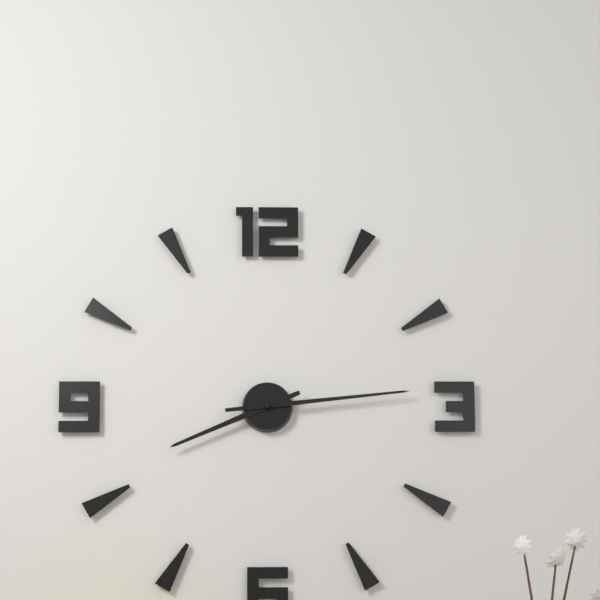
8.14
